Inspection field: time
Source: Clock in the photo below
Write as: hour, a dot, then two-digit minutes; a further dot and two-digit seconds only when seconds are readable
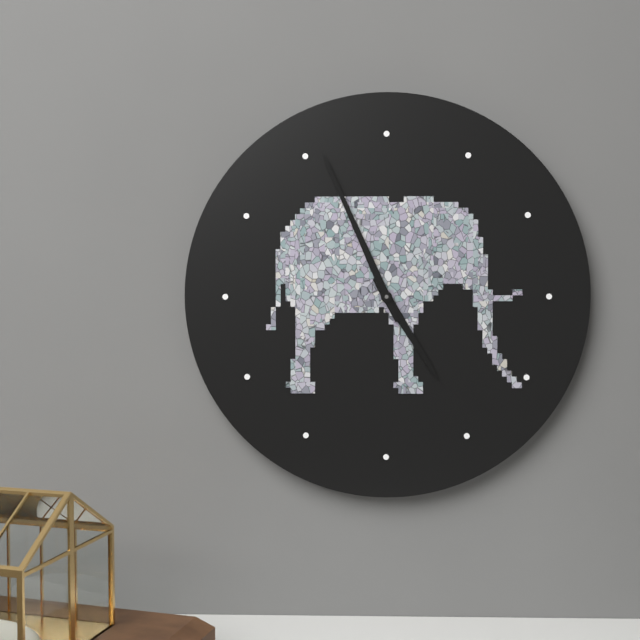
4.56
